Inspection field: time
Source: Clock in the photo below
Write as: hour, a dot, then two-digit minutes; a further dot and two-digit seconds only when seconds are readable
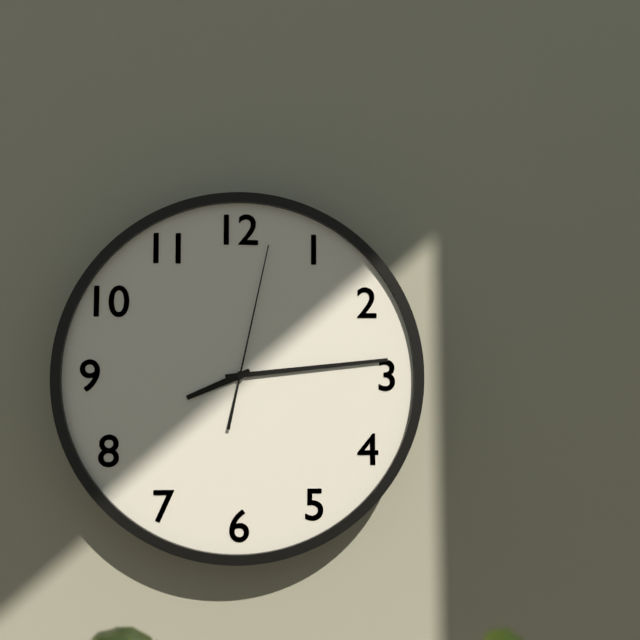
8.14.02
